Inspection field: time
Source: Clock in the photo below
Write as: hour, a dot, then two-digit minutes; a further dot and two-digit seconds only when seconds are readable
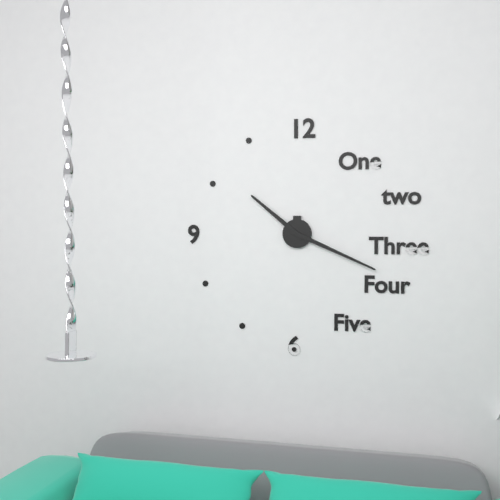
10.19
